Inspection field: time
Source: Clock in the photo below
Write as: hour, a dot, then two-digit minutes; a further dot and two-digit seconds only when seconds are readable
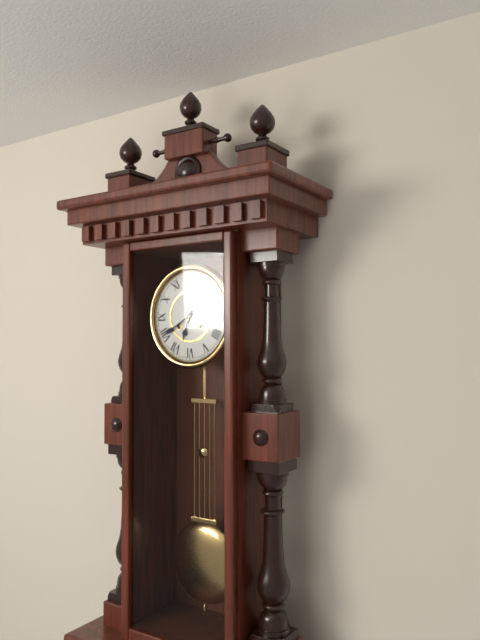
6.40
